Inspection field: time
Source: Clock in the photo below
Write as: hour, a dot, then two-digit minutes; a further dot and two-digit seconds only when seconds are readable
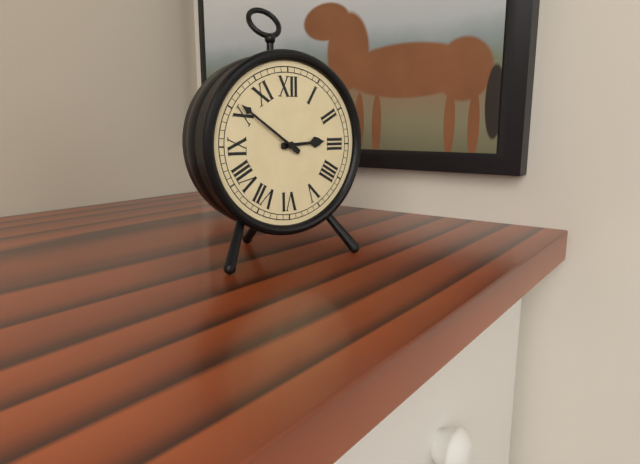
2.51
